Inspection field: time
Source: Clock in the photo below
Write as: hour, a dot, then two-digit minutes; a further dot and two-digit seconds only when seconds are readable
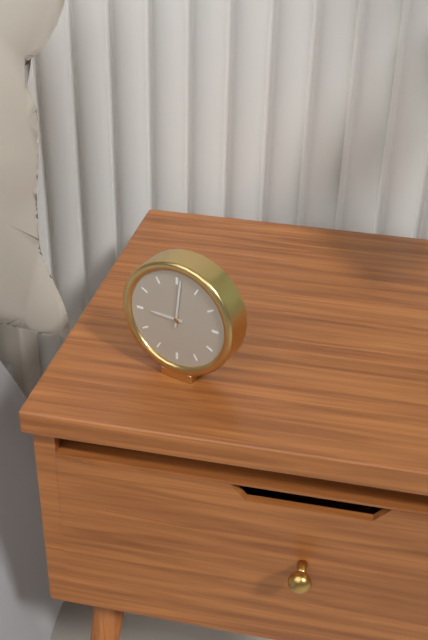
9.01
